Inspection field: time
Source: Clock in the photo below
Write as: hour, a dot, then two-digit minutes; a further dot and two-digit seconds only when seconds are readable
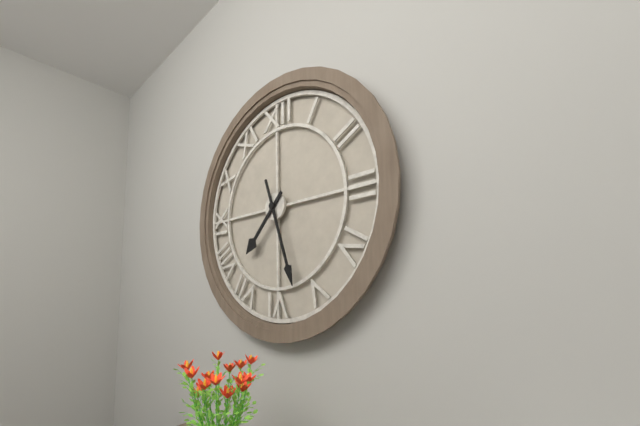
7.27
